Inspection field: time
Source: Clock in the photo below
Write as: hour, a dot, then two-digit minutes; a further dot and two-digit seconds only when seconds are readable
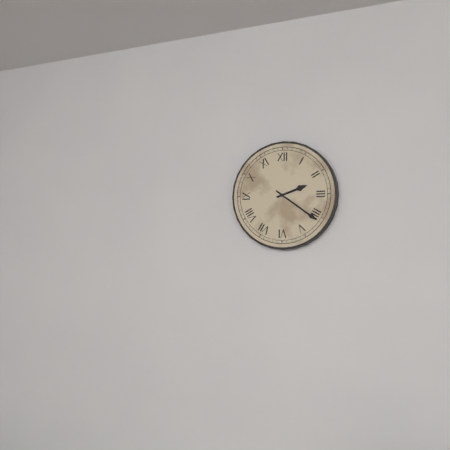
2.21
